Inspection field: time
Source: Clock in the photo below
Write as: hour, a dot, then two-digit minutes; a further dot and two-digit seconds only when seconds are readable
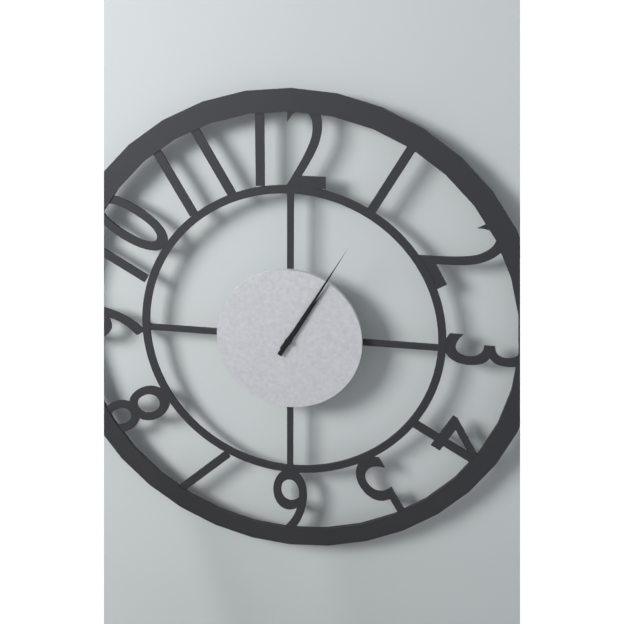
1.05
